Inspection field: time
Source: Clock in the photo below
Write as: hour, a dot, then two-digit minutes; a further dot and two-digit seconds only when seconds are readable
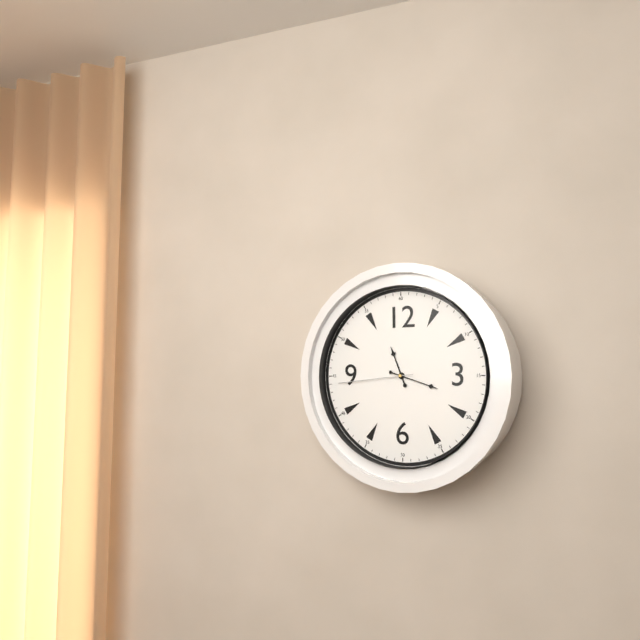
11.18.44
